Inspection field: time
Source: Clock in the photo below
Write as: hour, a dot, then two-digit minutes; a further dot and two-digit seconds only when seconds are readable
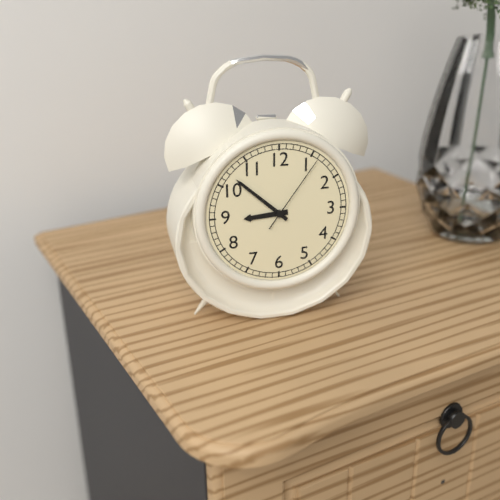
8.52.06
